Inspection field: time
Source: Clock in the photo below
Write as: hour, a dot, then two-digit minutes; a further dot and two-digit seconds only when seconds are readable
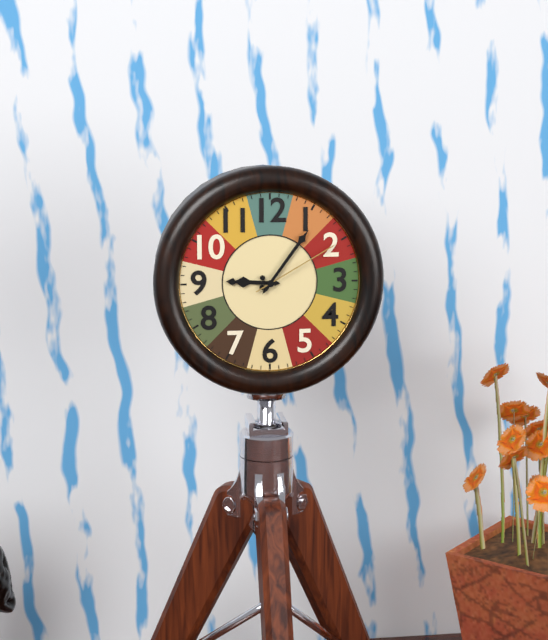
9.06.10
